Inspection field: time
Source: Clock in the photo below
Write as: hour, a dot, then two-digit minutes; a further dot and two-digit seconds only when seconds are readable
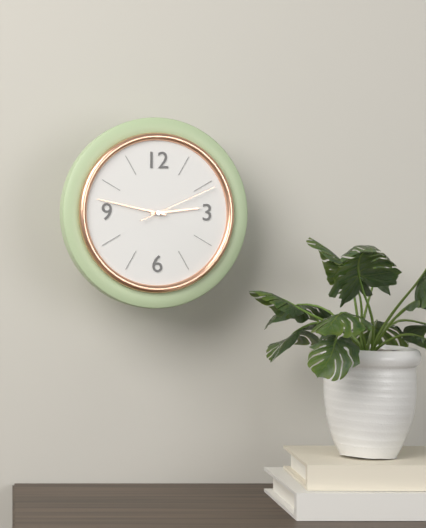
2.47.11
